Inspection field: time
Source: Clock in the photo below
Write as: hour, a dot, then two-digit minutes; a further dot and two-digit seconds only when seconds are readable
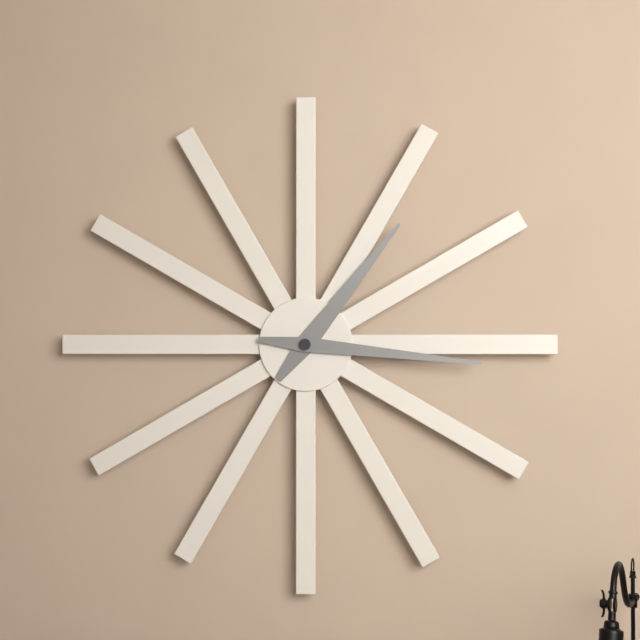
1.16
